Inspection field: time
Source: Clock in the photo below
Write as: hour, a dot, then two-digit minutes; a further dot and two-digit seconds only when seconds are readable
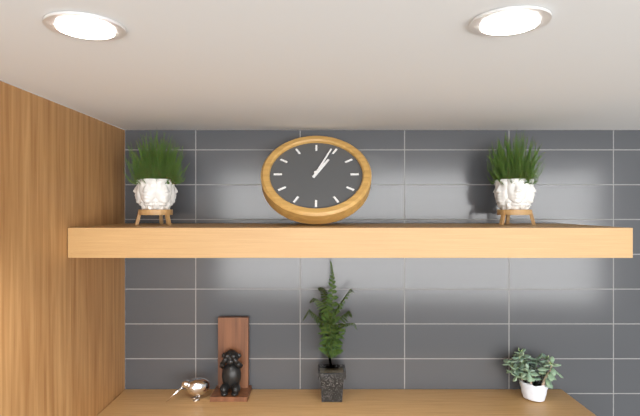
1.04
